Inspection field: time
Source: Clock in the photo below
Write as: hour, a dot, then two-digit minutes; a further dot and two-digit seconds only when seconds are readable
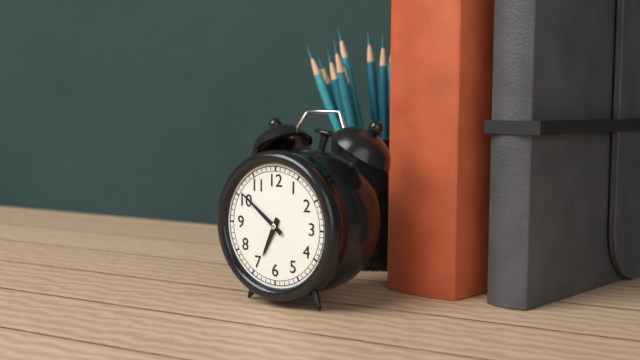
6.51
